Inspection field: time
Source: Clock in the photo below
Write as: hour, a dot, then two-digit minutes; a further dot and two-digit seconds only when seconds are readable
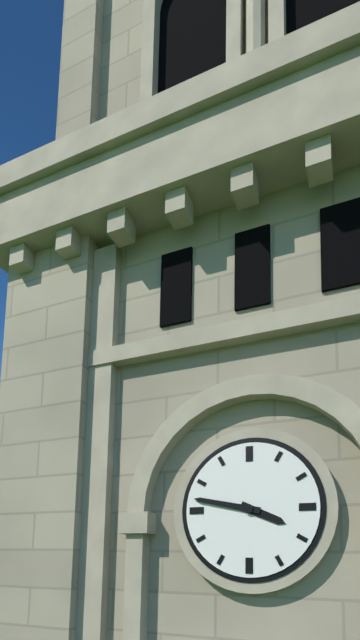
3.47
